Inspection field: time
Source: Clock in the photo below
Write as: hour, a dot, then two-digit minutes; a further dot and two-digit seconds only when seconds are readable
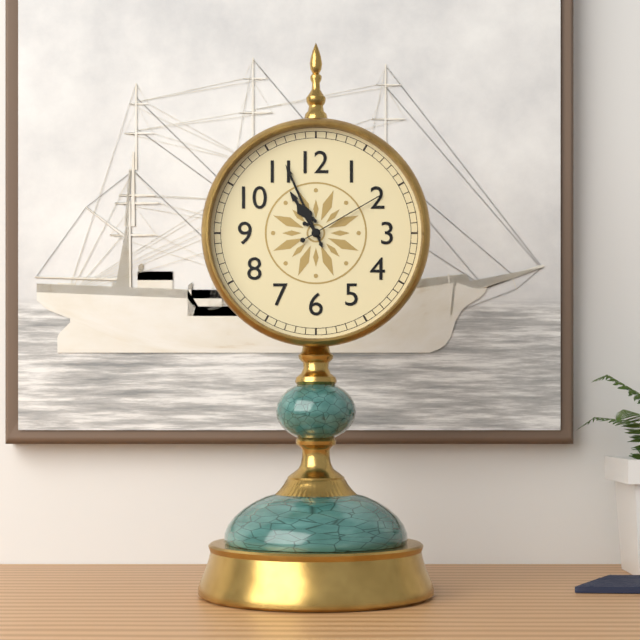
10.56.10
